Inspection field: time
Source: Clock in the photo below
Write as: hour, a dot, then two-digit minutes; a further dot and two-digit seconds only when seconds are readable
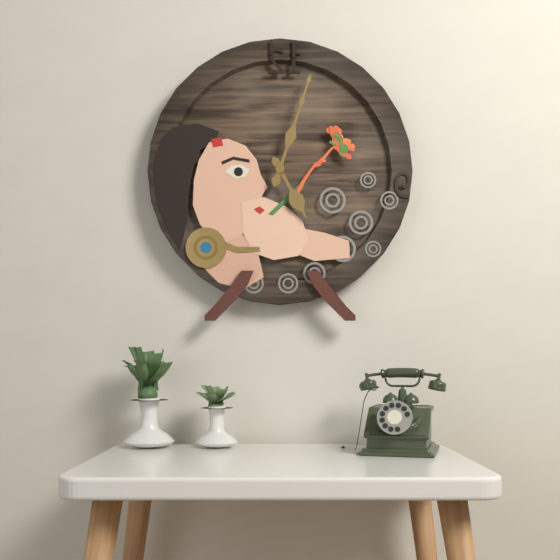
5.03
